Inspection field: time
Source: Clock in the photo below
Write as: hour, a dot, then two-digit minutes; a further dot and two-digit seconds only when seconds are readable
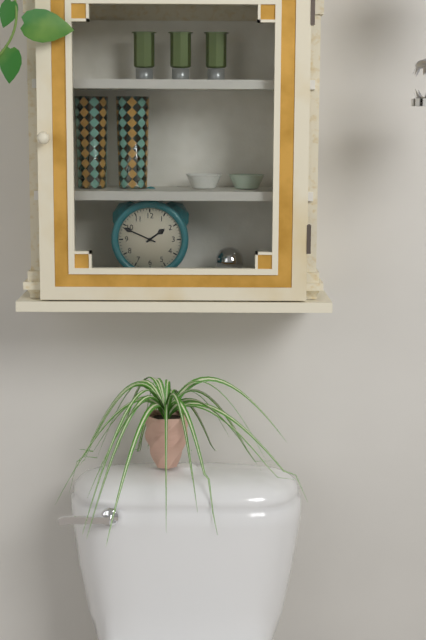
1.49
